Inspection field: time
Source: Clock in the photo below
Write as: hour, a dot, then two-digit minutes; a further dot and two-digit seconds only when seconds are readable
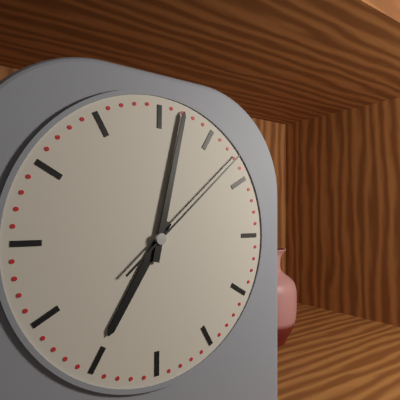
7.02.08
